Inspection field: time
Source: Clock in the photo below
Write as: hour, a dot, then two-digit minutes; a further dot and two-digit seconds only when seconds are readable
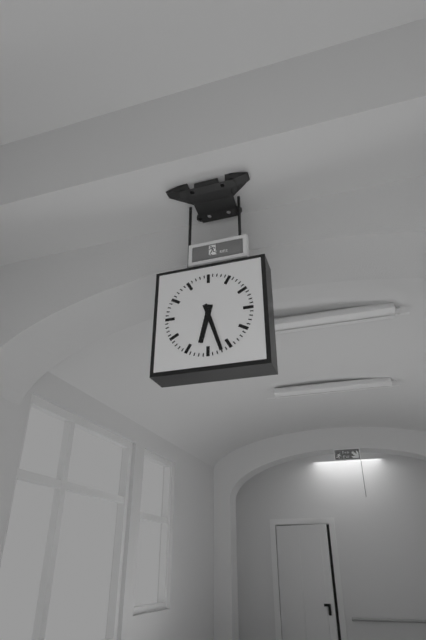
6.27
